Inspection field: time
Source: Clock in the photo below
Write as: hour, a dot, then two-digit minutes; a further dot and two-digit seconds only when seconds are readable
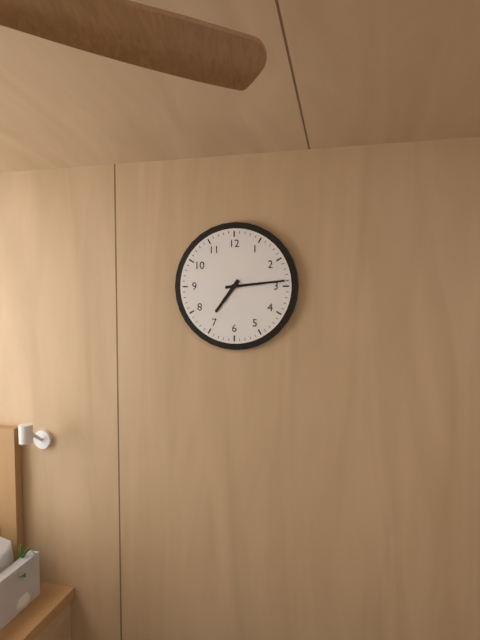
7.14
